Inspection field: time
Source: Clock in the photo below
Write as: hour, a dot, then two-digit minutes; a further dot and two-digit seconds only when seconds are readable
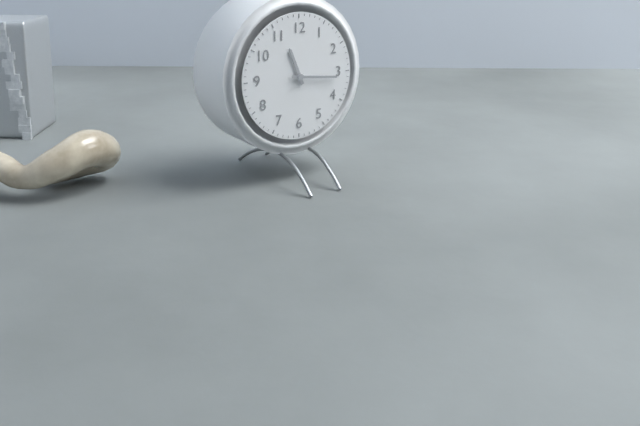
11.16
